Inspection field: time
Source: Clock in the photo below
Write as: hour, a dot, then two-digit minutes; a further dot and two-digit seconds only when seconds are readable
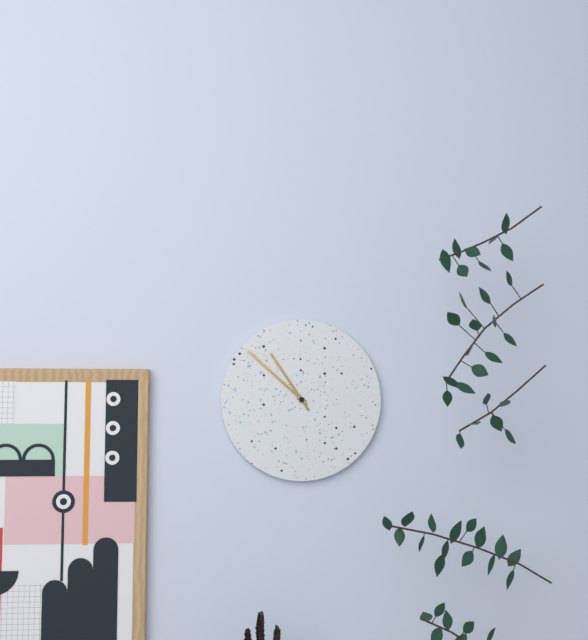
10.52
